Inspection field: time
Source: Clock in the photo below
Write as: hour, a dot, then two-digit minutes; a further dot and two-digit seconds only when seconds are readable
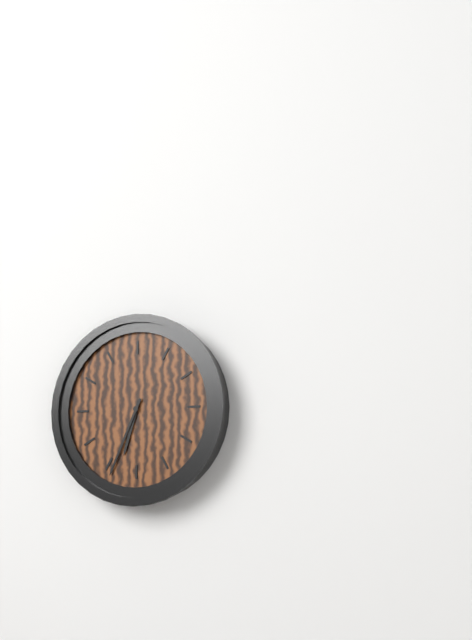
6.34
